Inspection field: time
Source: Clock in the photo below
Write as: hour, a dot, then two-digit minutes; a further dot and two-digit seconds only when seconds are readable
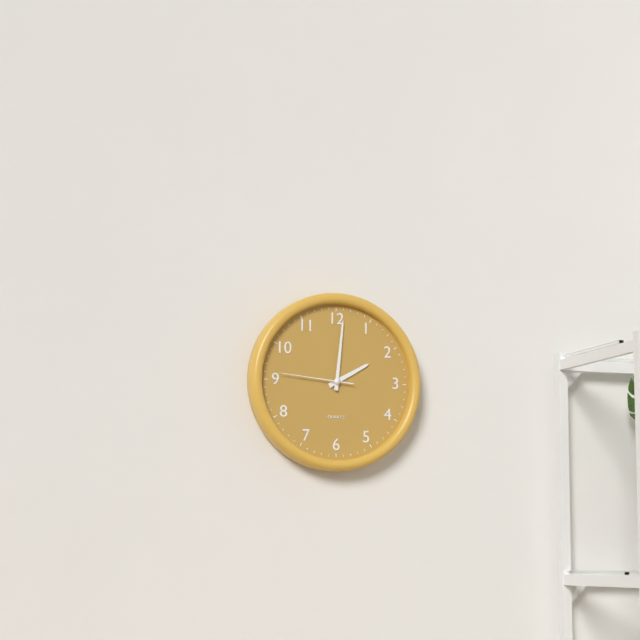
2.01.46
